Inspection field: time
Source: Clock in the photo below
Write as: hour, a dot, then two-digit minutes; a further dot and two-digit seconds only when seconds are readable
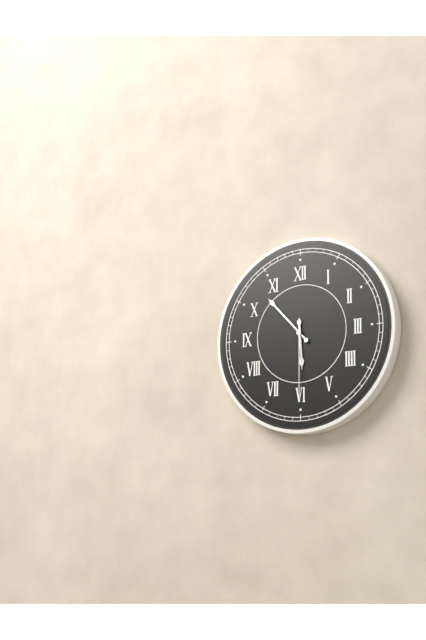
5.53.30
